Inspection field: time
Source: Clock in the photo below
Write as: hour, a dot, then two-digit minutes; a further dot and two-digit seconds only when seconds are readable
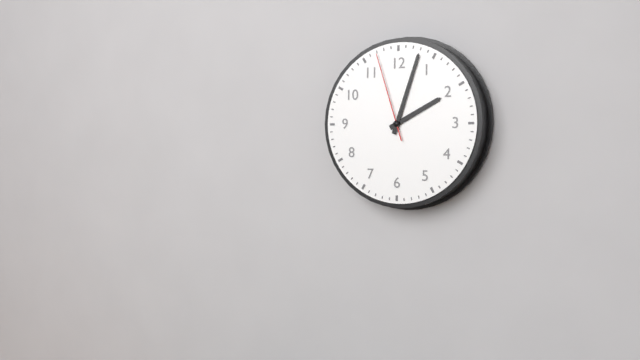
2.03.57
